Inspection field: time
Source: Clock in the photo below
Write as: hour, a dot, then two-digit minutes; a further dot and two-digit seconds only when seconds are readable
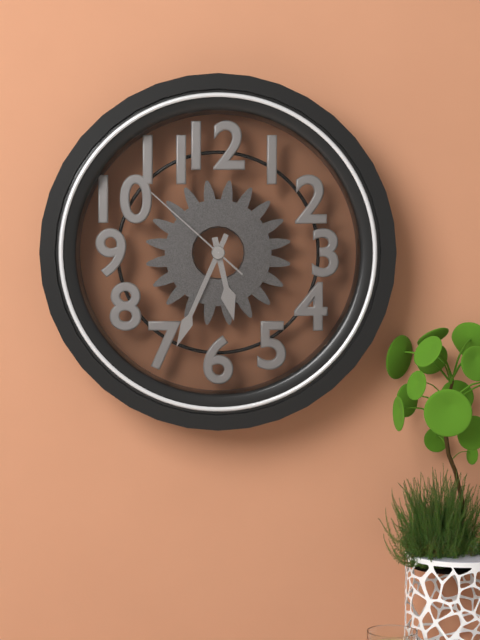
5.34.52
